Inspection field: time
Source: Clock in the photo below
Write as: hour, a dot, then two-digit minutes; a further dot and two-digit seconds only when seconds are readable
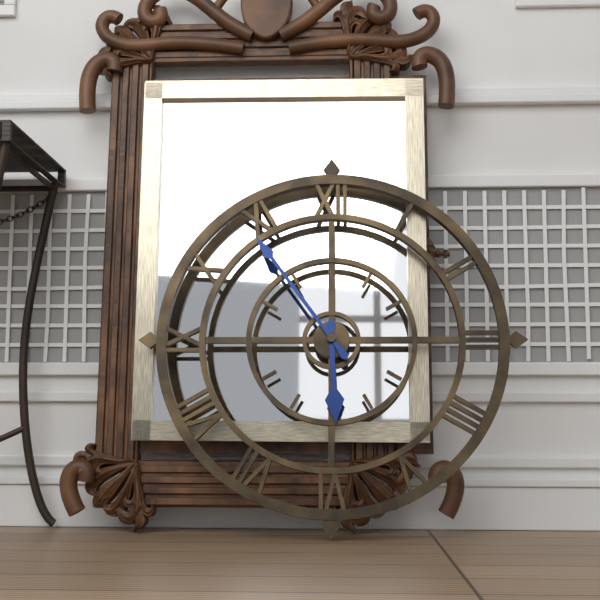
5.54
